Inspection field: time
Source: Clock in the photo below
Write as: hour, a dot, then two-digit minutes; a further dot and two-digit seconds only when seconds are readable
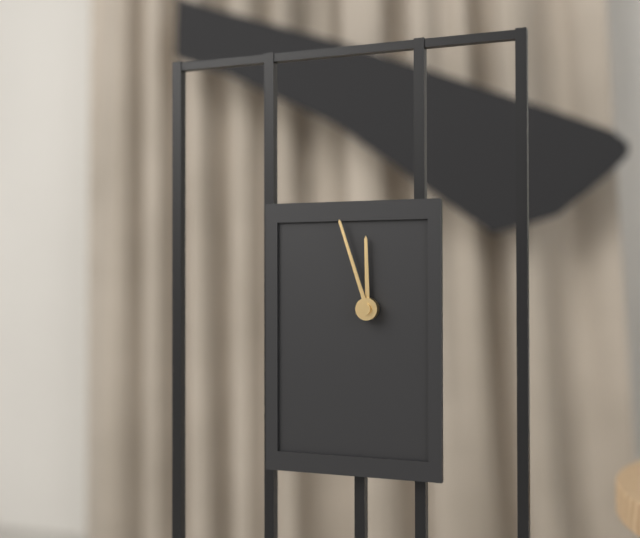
11.57
